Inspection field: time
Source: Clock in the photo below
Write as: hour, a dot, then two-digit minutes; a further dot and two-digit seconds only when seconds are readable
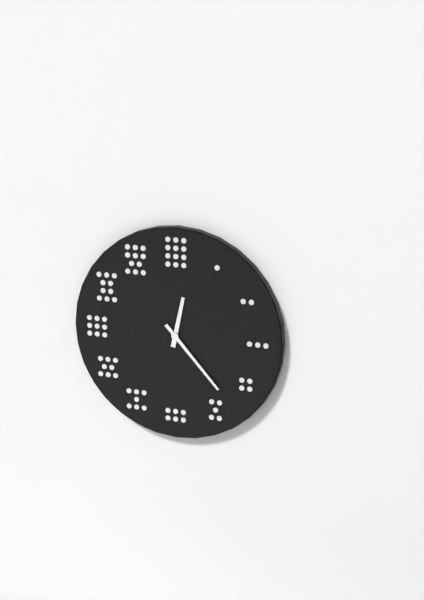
12.23
